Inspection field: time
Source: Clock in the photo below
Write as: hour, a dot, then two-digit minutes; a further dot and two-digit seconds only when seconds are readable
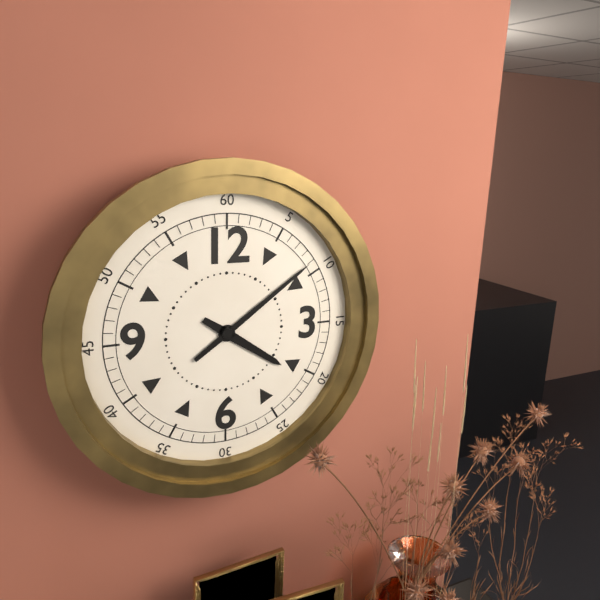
4.09
